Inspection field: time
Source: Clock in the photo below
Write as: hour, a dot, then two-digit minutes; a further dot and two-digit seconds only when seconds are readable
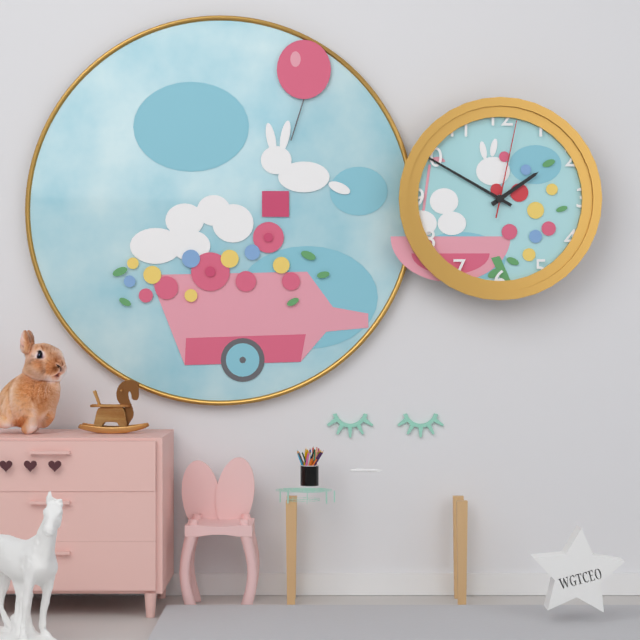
1.50.02
